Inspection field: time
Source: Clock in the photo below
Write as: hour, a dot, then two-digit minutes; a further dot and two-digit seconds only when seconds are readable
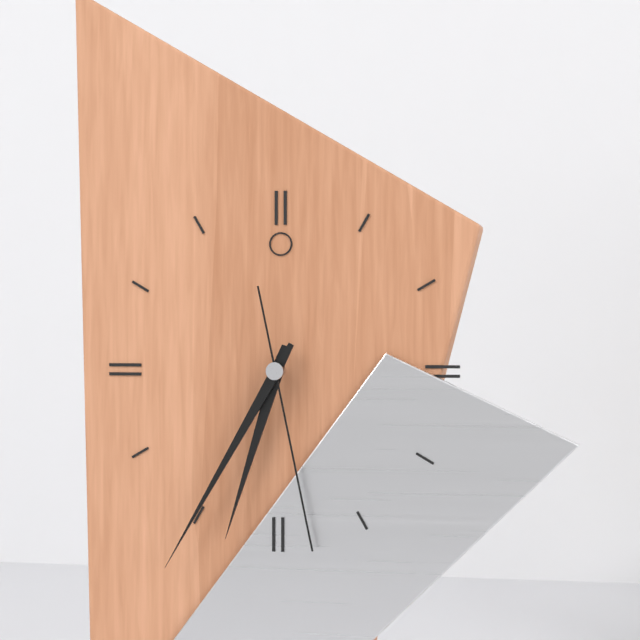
6.35.28
